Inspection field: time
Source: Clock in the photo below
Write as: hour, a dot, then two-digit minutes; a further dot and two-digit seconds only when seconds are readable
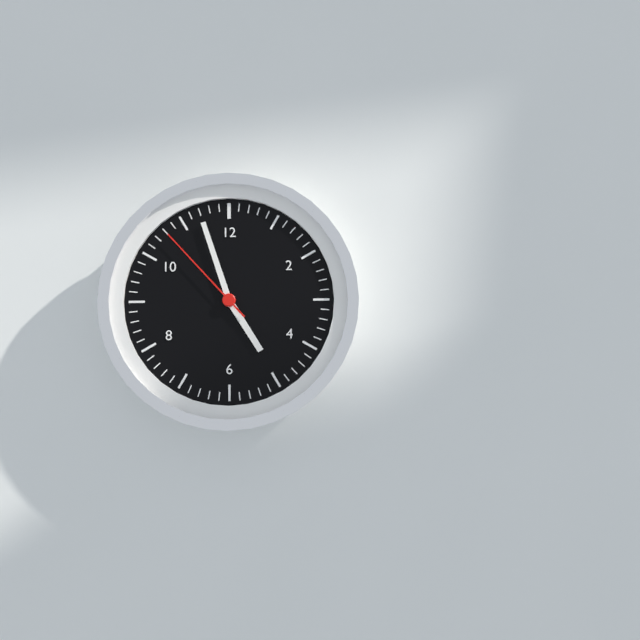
4.57.53
